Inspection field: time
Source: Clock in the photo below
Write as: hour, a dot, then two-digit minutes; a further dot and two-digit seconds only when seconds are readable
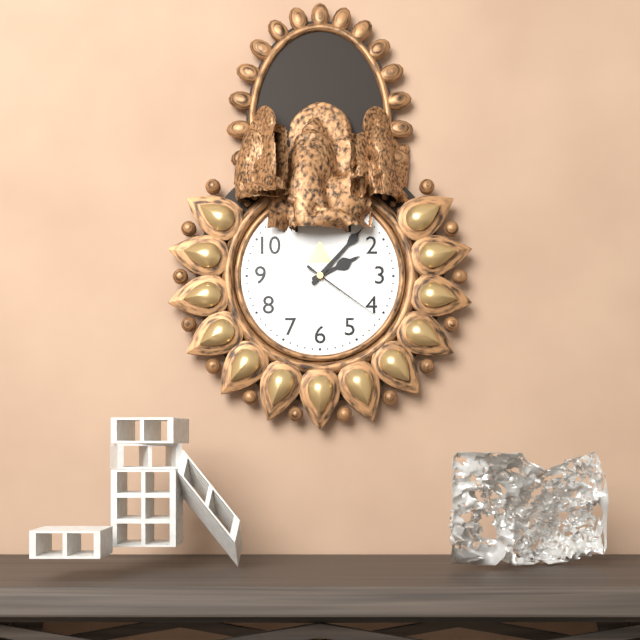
2.07.21
